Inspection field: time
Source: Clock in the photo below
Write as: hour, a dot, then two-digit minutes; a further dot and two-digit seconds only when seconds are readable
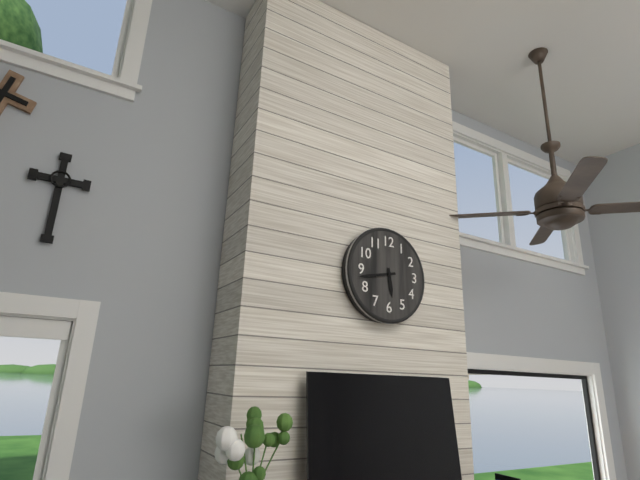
5.43
